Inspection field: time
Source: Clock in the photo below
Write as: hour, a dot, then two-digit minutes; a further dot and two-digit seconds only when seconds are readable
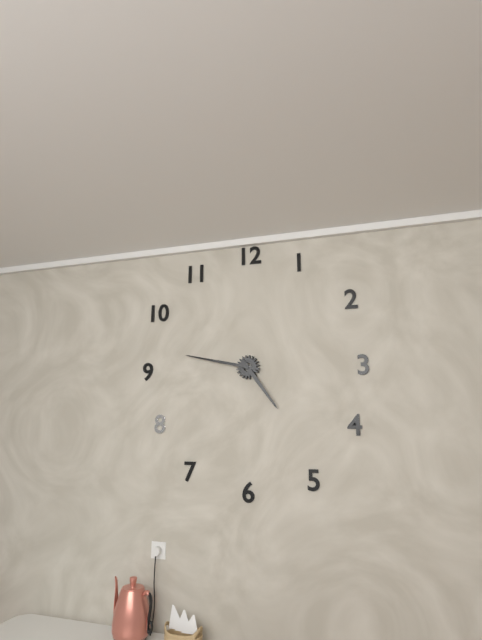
4.47
